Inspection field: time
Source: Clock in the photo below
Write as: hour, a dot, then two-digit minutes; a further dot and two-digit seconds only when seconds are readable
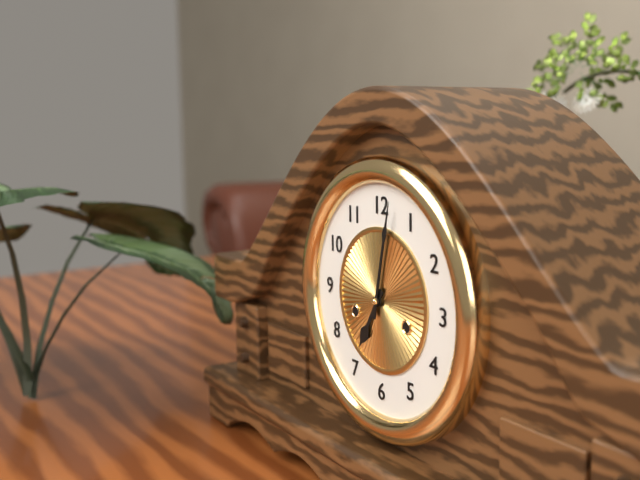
7.02
